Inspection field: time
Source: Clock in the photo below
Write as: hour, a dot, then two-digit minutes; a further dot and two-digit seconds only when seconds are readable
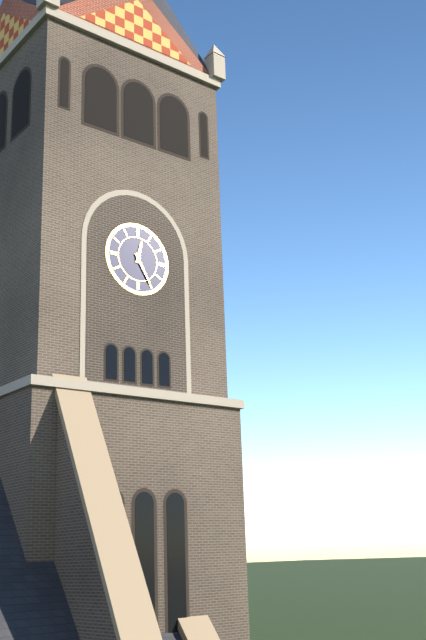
12.25
